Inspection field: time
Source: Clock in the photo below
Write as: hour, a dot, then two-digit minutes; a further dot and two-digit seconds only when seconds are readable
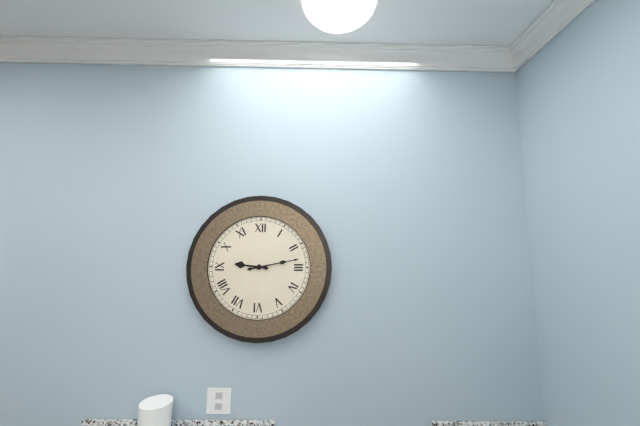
9.13
